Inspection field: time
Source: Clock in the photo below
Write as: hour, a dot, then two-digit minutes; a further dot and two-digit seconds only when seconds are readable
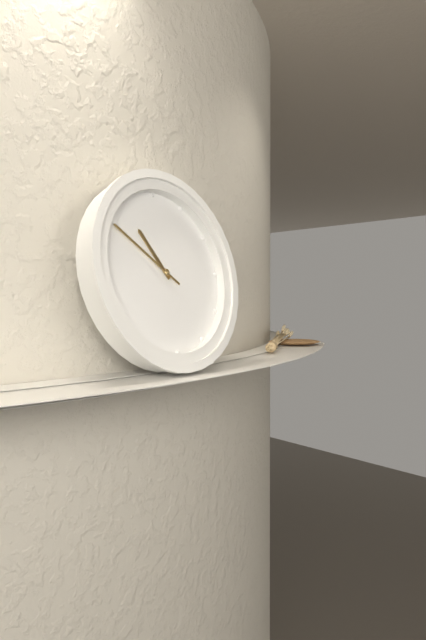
10.51
